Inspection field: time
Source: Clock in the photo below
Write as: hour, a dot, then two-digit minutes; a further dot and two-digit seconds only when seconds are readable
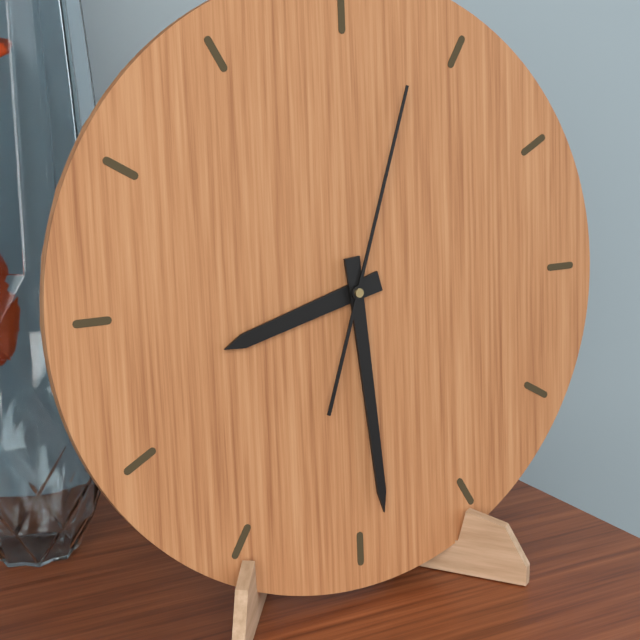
8.29.03
